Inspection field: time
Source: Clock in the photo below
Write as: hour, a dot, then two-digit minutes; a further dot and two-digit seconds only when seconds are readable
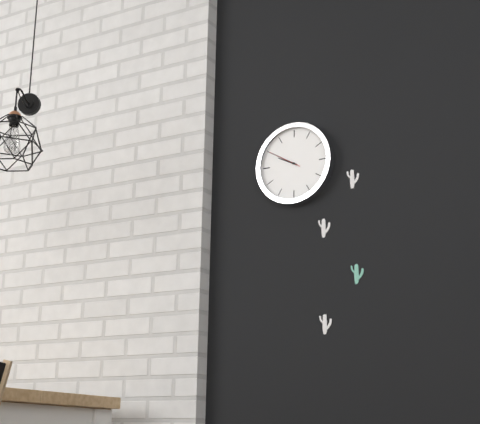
9.50
